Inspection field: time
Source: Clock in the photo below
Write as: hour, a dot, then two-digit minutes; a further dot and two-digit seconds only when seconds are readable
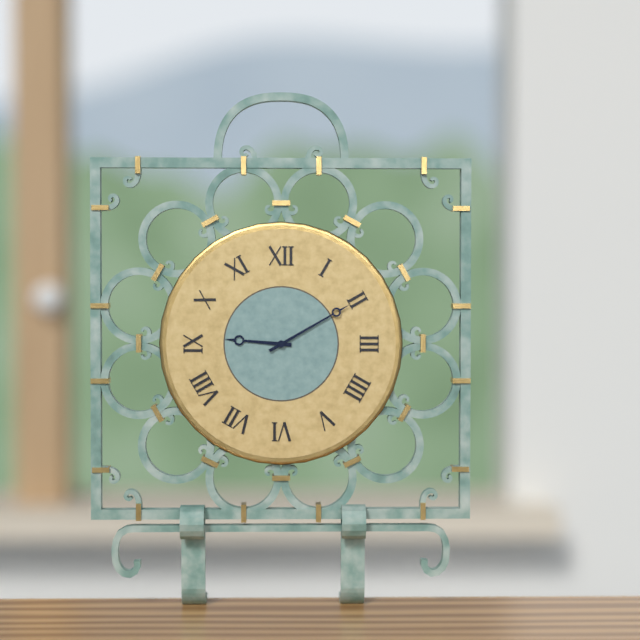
9.10
